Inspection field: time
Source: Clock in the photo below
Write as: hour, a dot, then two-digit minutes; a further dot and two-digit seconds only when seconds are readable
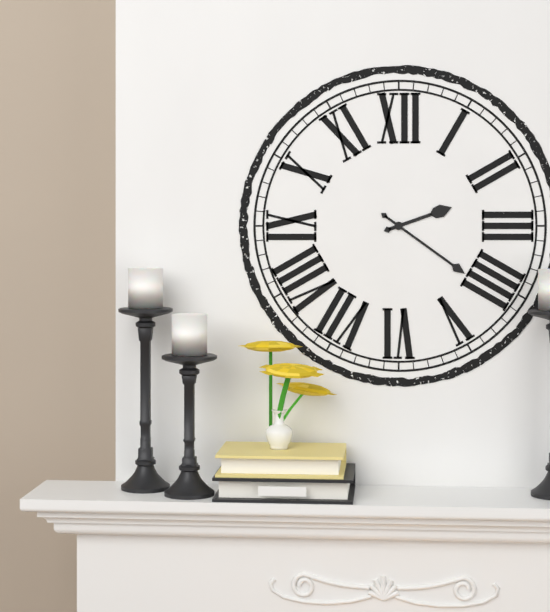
2.21
